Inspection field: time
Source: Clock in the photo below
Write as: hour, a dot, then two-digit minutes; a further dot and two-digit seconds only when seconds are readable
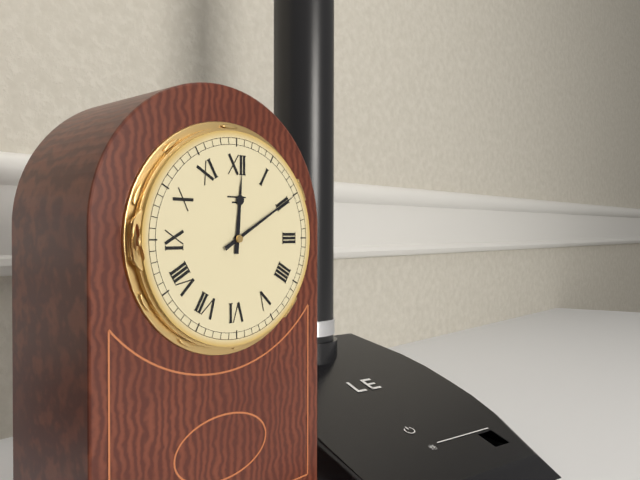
12.10
